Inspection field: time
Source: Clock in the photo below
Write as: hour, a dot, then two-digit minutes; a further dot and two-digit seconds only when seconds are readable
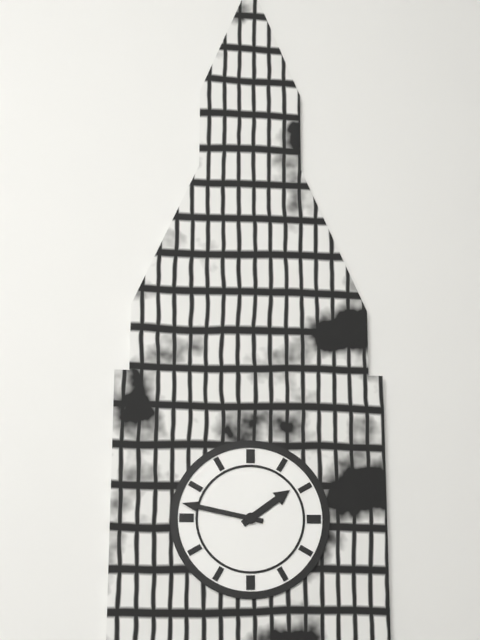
1.47
